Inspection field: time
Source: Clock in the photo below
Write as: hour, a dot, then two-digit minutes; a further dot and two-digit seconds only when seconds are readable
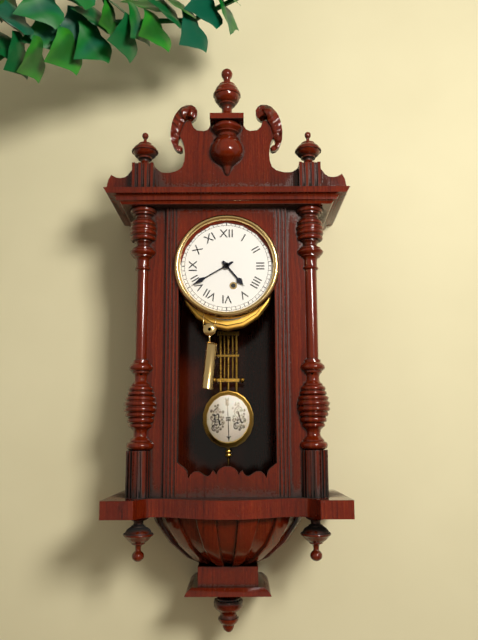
4.40
